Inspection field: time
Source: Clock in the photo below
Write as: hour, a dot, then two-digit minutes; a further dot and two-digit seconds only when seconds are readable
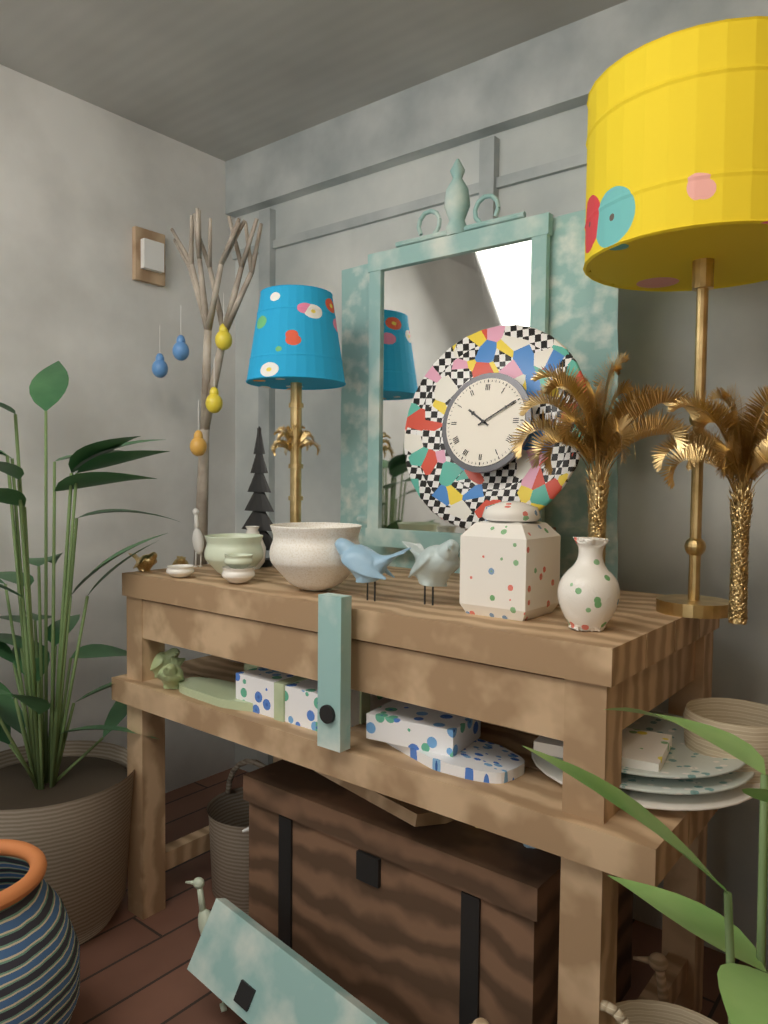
10.10
